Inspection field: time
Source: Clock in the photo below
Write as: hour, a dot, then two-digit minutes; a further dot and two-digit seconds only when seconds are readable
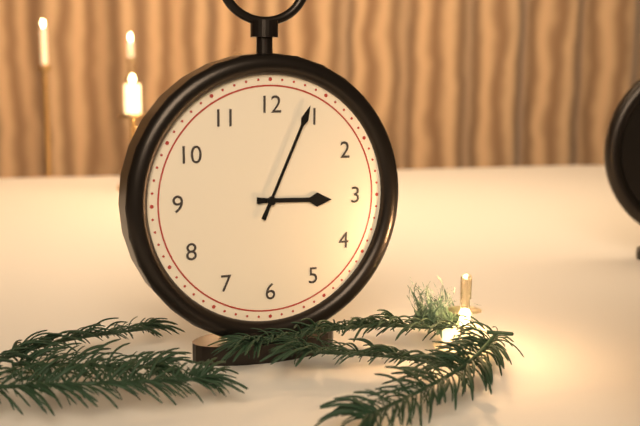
3.04
